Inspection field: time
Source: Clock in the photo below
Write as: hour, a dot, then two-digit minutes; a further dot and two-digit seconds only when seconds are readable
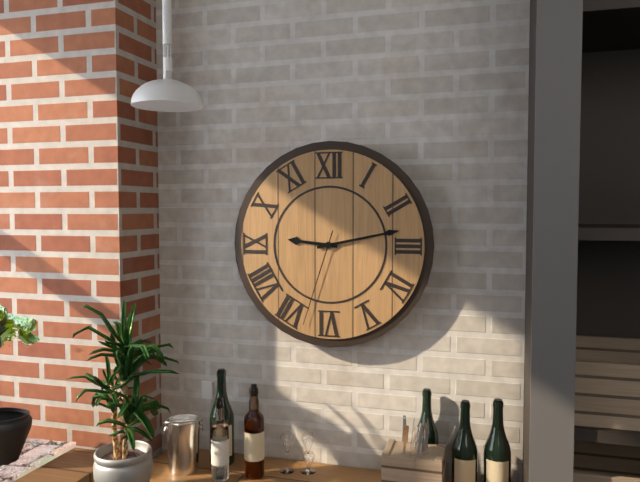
9.13.33
